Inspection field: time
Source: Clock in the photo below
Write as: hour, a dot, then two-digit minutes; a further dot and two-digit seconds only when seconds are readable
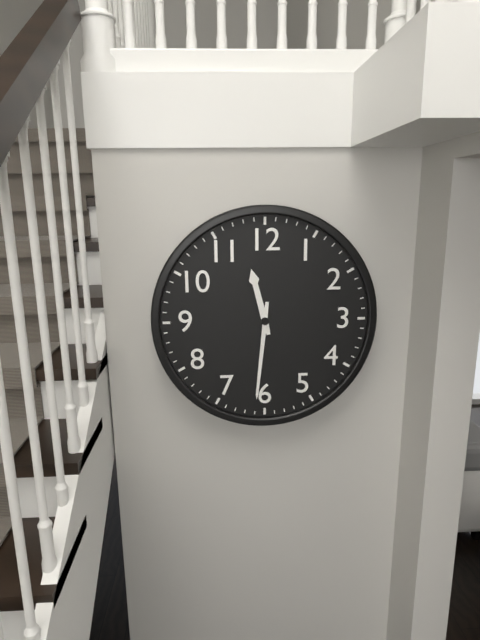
11.31
